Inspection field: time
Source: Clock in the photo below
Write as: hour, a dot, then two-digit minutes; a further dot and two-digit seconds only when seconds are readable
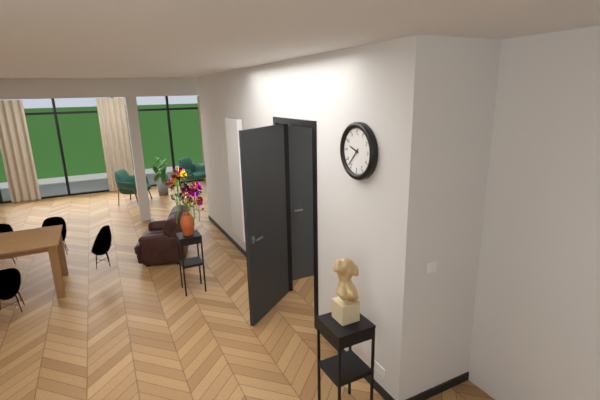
9.37
